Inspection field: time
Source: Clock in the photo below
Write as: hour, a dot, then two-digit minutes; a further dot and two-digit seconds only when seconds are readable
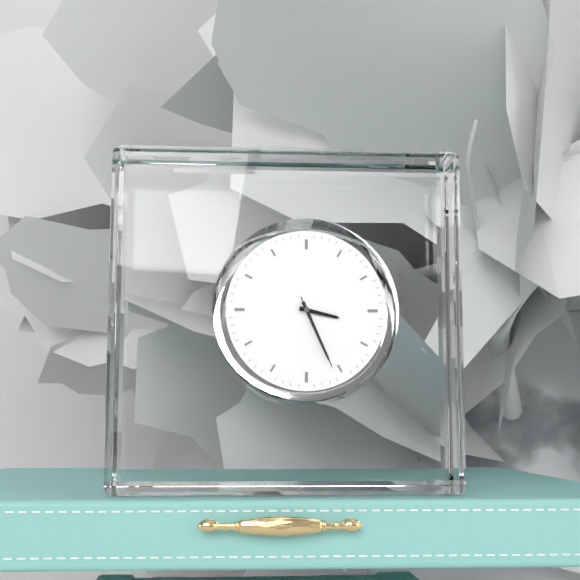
3.26.26
